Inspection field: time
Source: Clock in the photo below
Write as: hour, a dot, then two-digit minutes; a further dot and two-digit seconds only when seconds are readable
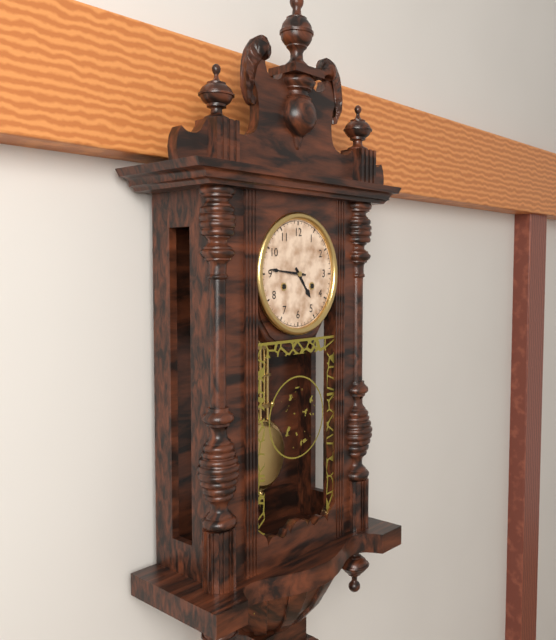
4.46
